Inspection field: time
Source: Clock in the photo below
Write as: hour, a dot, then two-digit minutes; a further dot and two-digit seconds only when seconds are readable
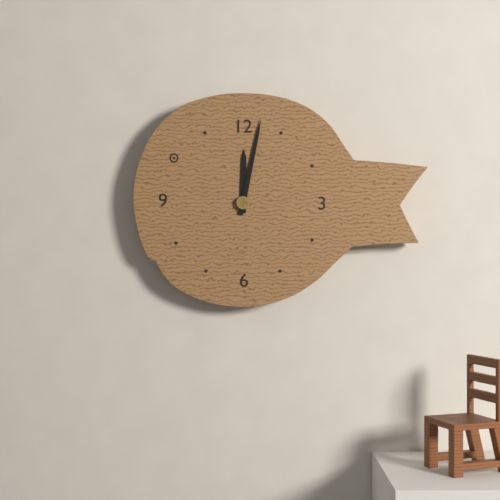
12.02
